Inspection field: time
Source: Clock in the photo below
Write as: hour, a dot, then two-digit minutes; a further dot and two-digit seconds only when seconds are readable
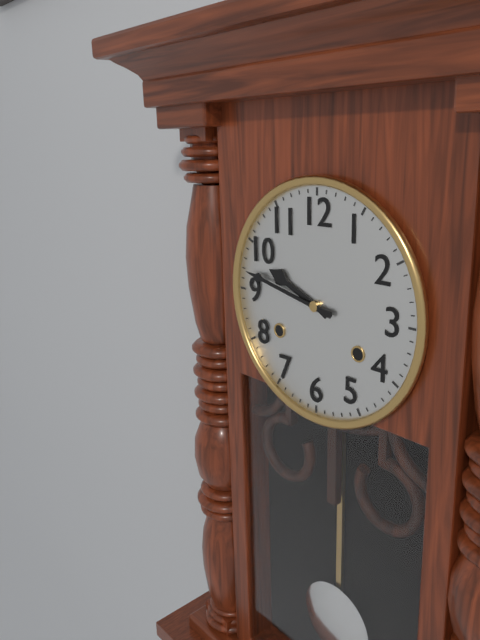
9.47
